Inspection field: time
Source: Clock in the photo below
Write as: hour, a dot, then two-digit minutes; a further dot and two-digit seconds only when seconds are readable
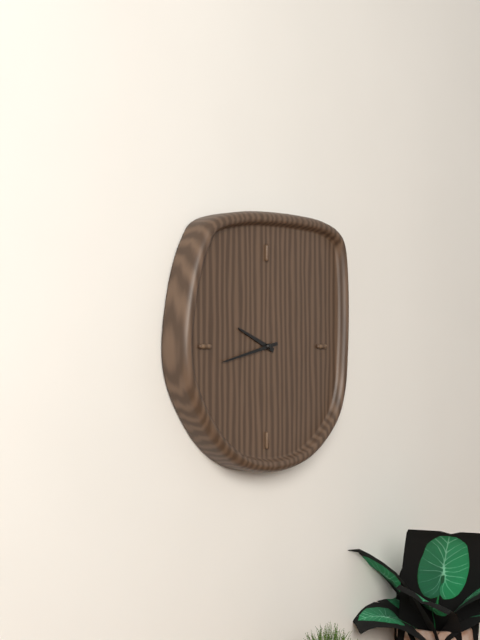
9.43
